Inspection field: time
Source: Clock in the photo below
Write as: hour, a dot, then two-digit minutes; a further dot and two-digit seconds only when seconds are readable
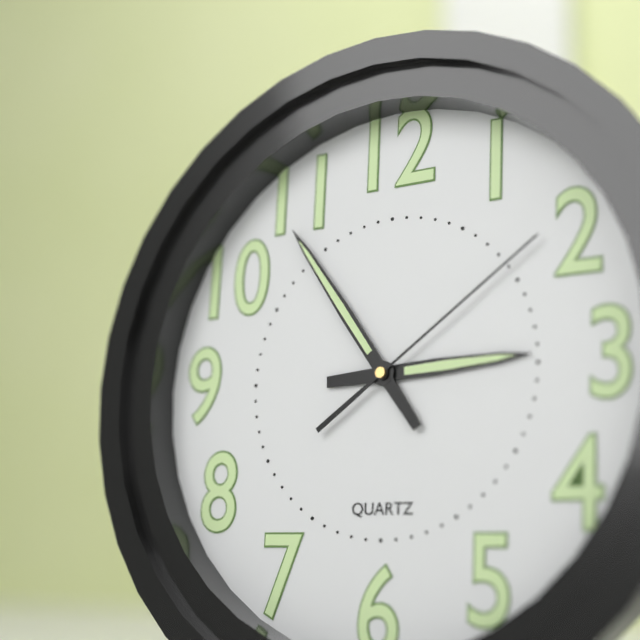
2.54.09
